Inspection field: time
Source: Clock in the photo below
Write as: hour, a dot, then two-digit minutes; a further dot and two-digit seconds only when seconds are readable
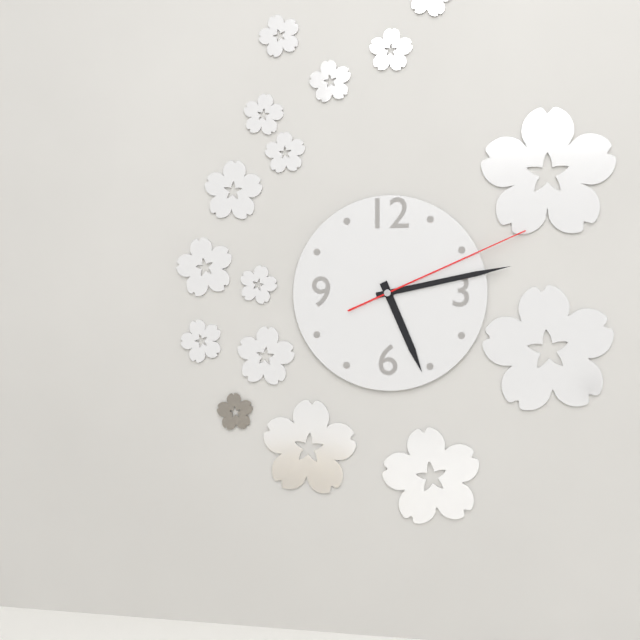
5.13.11
